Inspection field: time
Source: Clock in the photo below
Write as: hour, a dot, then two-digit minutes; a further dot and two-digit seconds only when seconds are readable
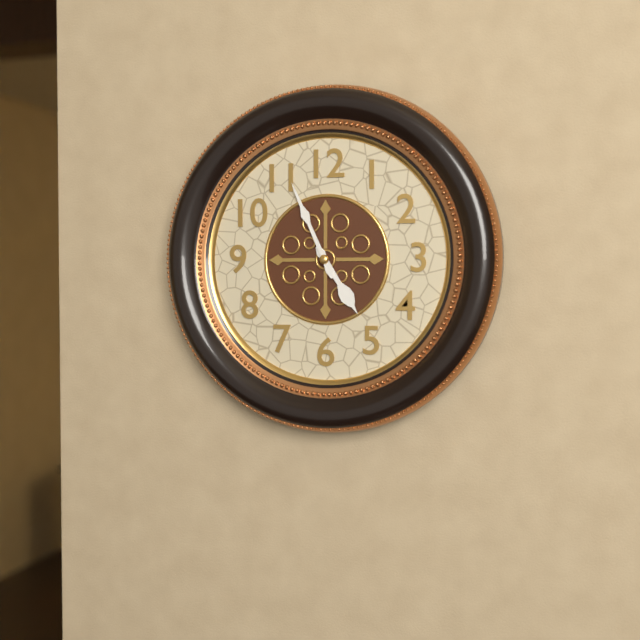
4.56
